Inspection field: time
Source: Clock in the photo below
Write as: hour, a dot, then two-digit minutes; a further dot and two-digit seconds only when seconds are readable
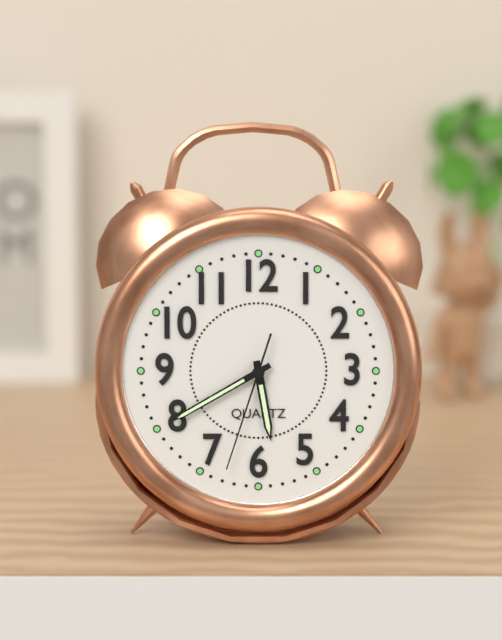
5.40.33
